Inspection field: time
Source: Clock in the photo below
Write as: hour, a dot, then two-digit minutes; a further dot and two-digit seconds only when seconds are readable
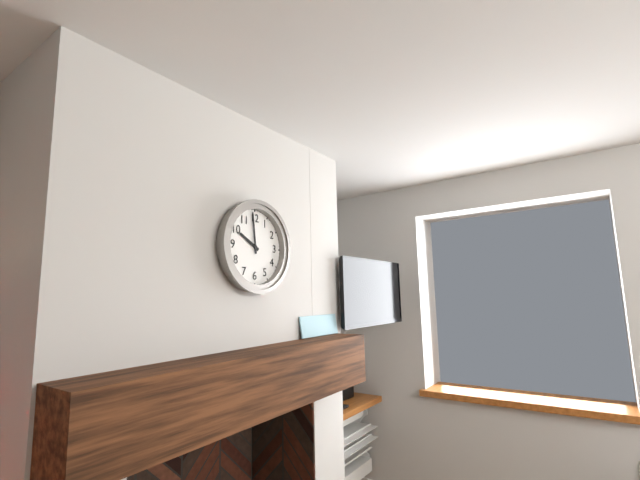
9.59
